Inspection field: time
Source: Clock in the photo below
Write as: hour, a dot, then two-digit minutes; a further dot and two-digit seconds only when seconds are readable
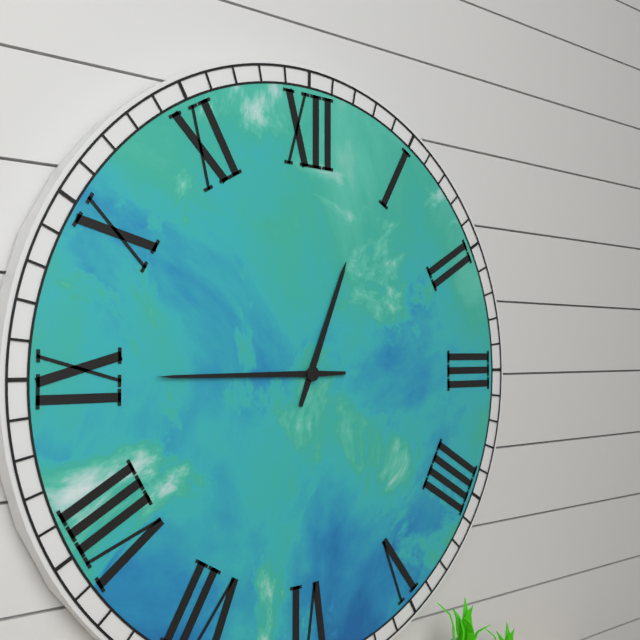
12.45
